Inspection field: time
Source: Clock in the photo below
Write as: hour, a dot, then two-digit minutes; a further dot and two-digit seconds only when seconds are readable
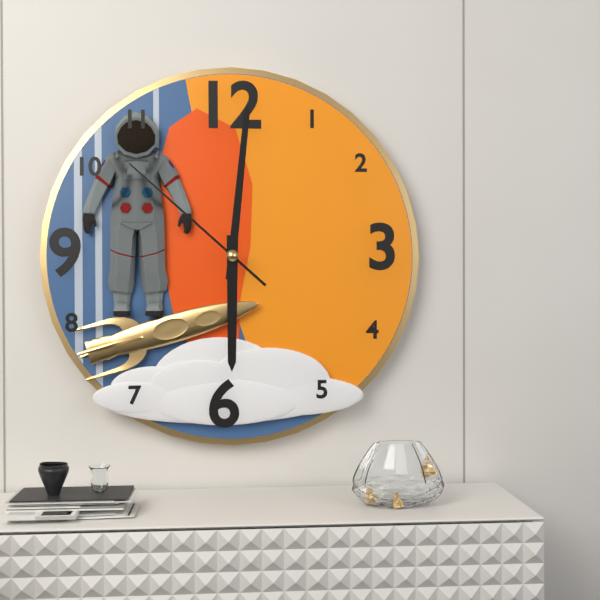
6.01.52
